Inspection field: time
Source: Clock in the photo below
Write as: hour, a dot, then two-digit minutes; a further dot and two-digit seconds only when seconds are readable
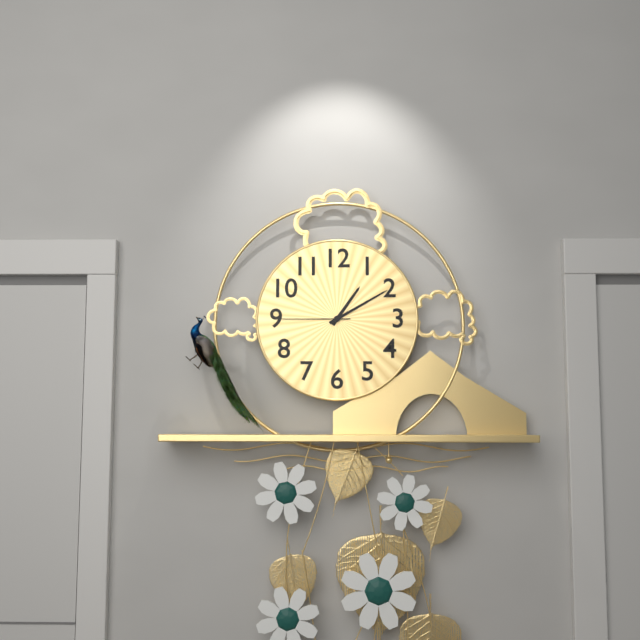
1.10.45
